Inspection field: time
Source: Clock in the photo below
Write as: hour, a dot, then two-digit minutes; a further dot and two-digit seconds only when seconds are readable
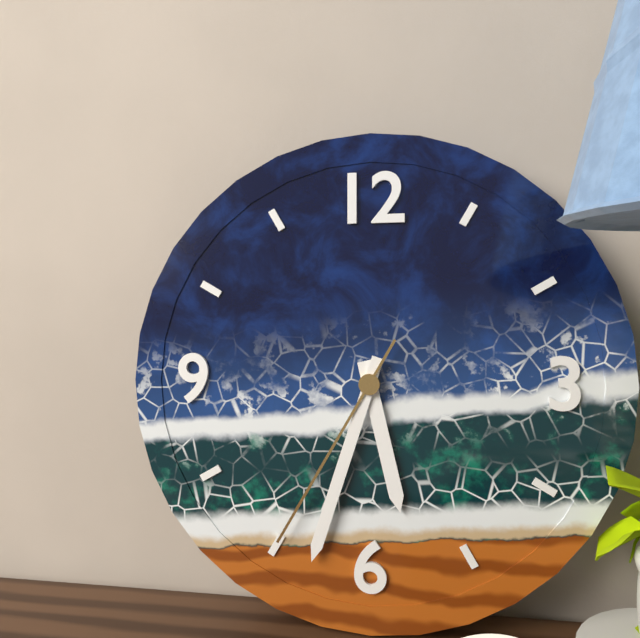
5.33.35
